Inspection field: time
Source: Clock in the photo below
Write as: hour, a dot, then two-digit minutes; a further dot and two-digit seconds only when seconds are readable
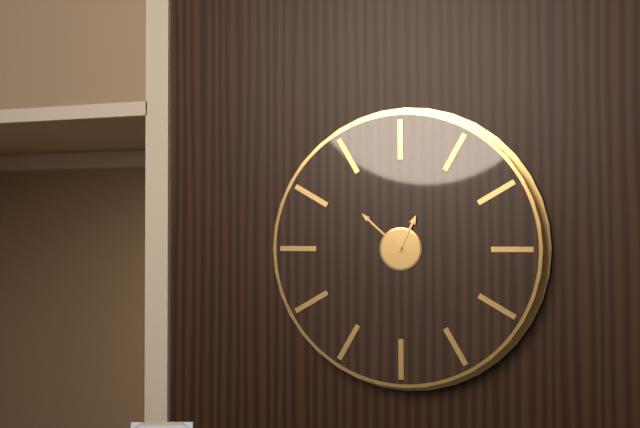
12.52
